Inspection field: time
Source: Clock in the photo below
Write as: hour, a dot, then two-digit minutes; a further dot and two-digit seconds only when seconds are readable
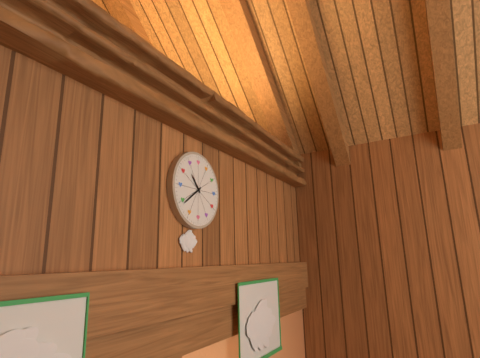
10.39
